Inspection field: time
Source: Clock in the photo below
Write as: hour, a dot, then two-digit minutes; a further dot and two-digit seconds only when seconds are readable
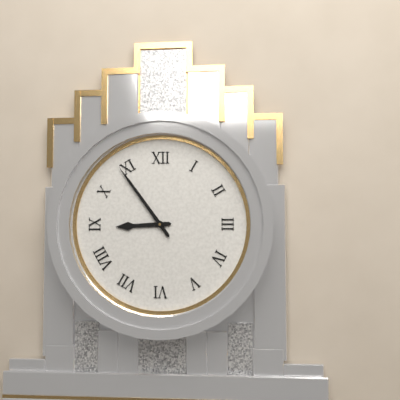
8.54
